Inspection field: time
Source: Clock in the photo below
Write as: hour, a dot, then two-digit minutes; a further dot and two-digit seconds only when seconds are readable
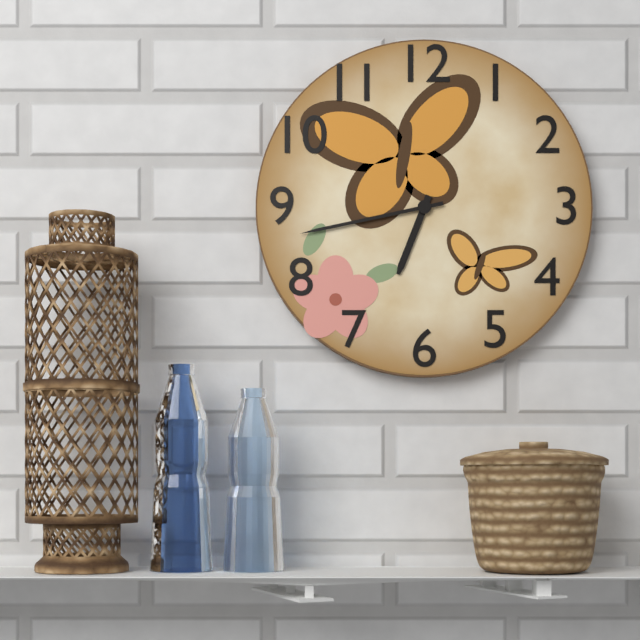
6.43
